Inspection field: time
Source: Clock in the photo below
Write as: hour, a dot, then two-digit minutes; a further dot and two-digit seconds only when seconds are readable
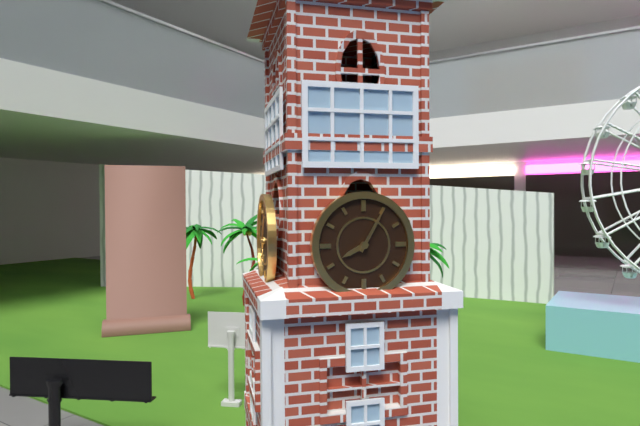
8.05
